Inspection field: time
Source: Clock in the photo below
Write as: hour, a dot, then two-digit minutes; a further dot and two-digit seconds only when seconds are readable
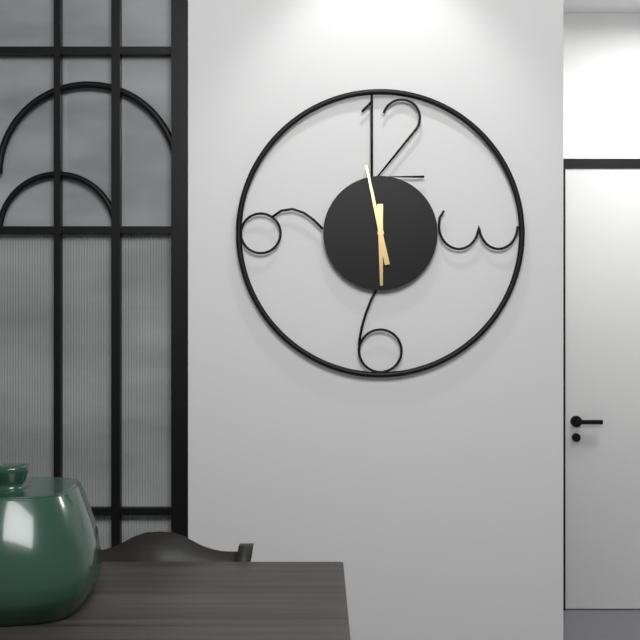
5.58
